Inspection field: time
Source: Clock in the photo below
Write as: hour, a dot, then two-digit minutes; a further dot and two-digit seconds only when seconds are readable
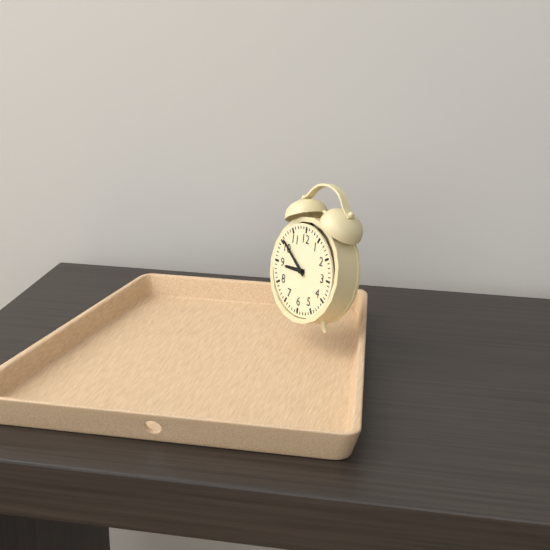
8.51
